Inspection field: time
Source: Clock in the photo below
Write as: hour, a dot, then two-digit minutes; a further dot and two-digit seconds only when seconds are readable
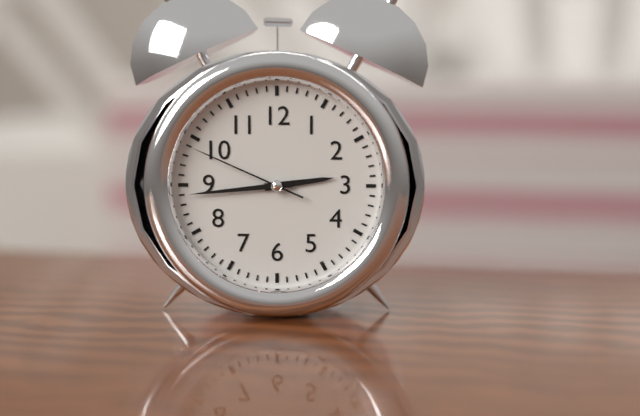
2.44.49
